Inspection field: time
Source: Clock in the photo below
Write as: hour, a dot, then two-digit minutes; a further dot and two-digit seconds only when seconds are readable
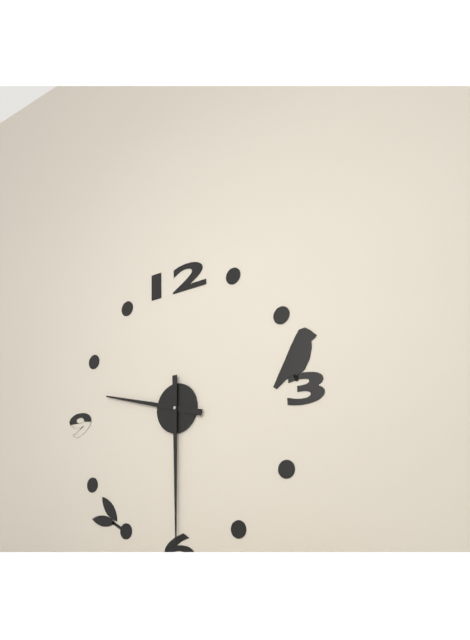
9.30
